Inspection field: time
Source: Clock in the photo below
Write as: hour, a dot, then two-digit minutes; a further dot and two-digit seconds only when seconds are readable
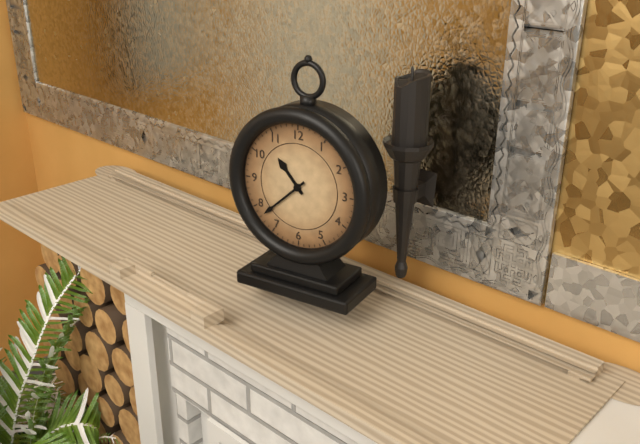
10.38
